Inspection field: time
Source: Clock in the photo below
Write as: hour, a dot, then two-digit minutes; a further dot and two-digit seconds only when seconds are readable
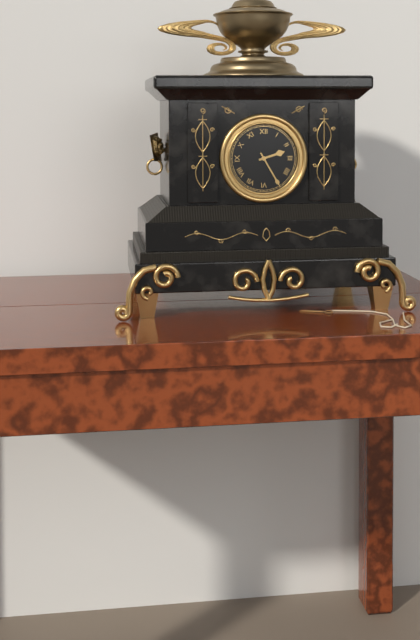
2.25
